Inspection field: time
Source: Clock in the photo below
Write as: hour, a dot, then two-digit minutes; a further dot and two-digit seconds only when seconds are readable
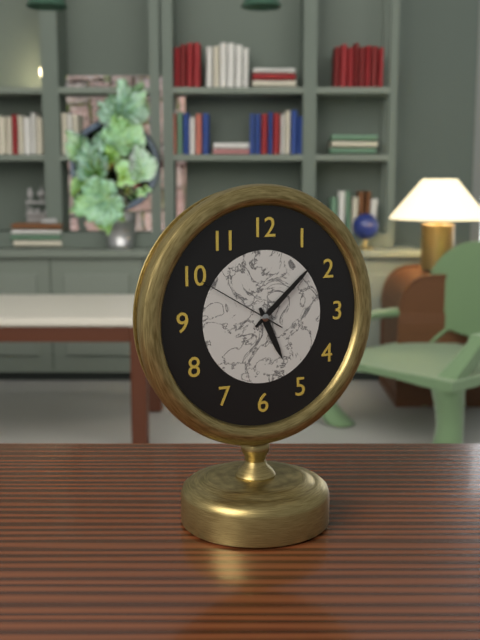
5.08.50
